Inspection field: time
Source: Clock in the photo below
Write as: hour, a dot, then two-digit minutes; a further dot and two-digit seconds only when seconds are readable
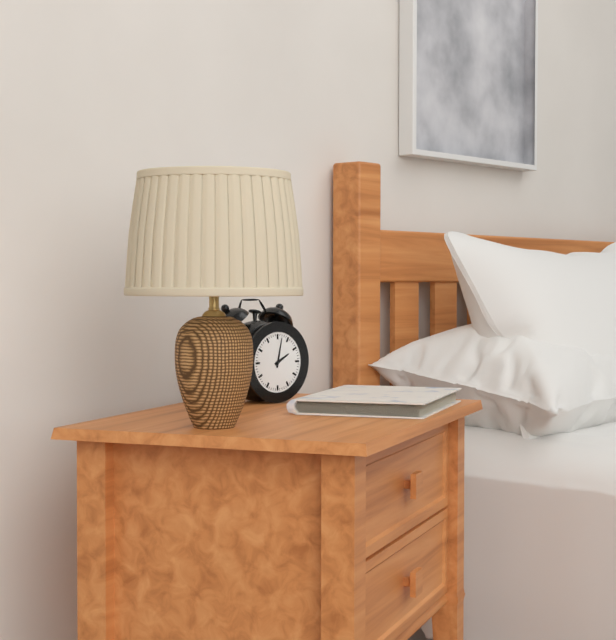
2.02
